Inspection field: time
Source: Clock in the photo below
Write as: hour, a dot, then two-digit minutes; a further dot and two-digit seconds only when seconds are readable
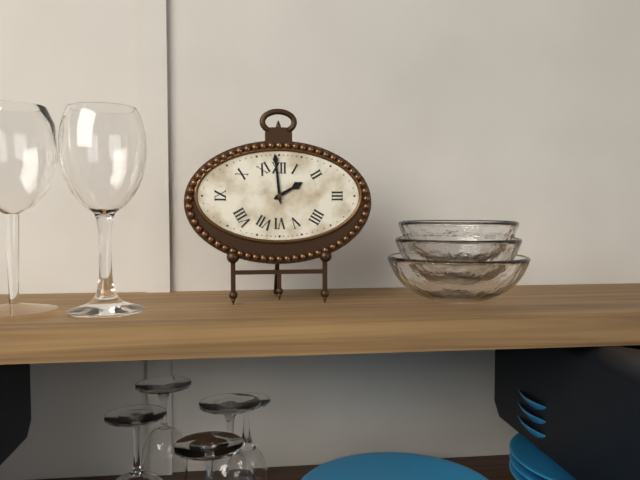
1.59
